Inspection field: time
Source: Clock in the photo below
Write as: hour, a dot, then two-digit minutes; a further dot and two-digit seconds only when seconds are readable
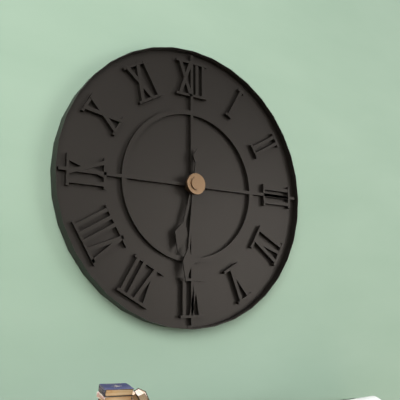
6.31
